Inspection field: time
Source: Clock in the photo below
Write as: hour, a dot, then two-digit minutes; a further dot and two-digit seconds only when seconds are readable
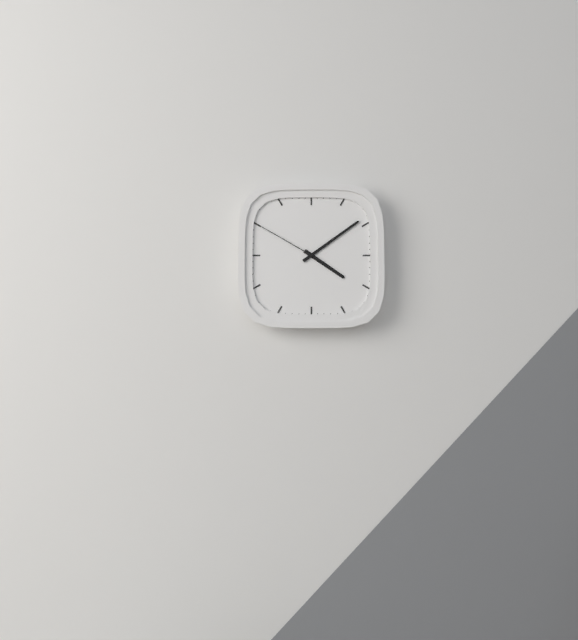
4.09.50
